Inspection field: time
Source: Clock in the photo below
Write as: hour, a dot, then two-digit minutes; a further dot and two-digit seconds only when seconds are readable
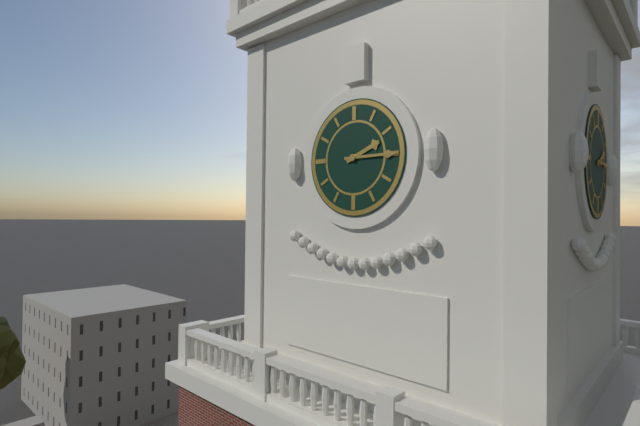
2.15
